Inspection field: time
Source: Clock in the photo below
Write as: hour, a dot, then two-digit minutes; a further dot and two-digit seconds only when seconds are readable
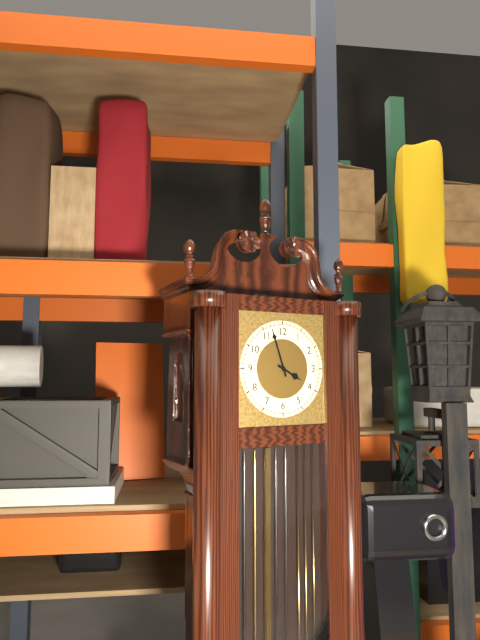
3.57
